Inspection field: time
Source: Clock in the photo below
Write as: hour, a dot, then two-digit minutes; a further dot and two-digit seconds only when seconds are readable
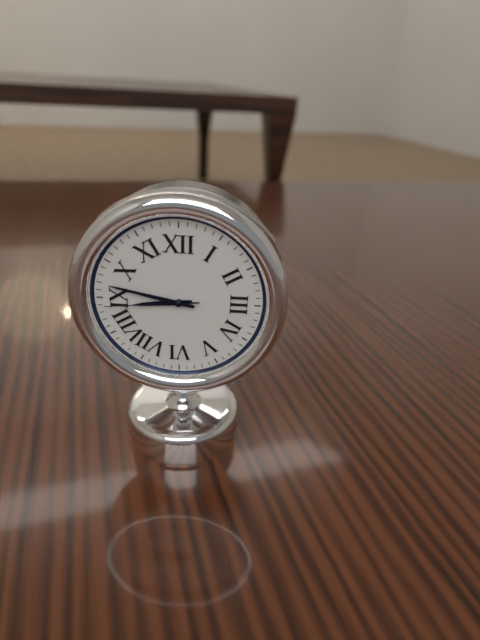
8.47.44
